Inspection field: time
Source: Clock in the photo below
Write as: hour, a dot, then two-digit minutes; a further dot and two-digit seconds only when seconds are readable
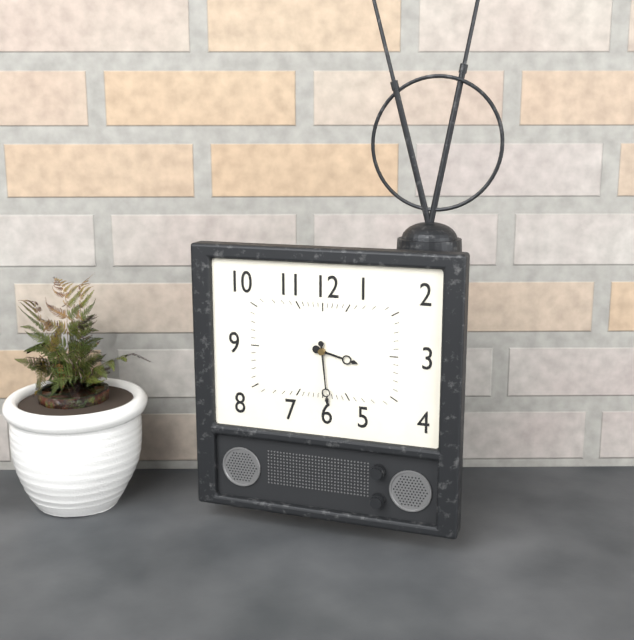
3.29
